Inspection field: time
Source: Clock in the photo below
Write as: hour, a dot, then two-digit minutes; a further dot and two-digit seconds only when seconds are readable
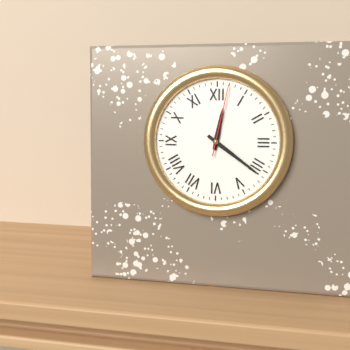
12.21.02
